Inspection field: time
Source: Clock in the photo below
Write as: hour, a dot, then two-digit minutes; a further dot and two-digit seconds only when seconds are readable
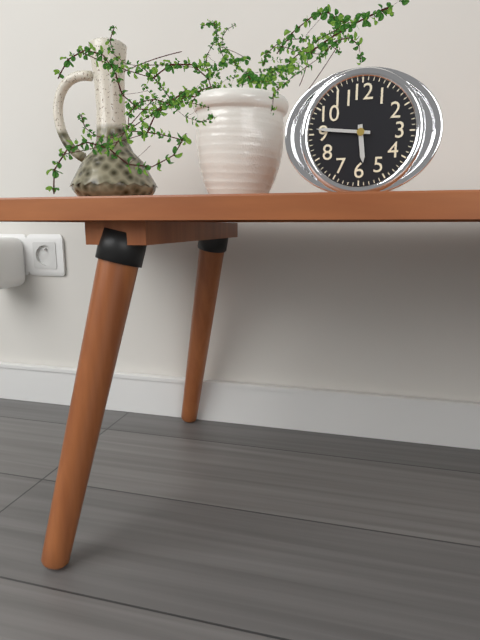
5.46
